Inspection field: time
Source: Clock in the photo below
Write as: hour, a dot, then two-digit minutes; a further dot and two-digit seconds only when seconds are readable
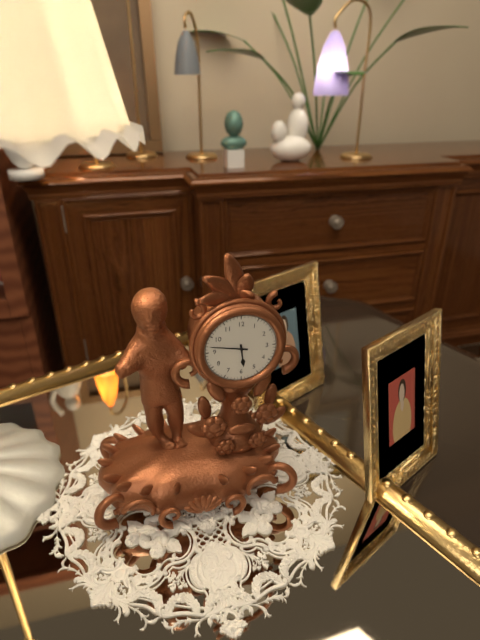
5.47
